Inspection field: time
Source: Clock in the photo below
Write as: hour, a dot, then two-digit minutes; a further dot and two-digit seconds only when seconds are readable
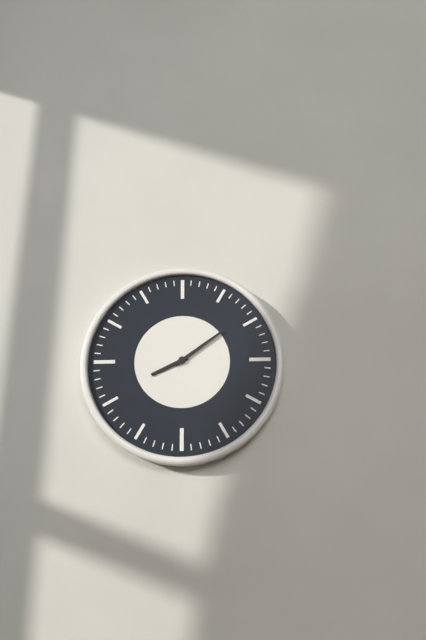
8.09
